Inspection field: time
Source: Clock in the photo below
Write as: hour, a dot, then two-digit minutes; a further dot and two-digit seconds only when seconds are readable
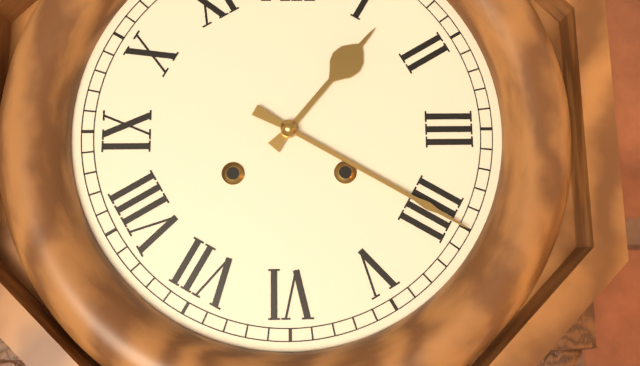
1.20
